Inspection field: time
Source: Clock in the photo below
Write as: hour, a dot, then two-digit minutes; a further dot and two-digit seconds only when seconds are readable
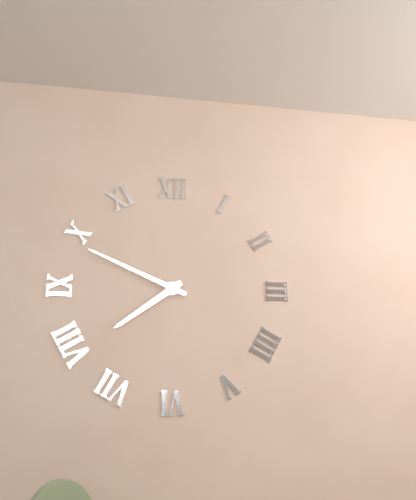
7.49
